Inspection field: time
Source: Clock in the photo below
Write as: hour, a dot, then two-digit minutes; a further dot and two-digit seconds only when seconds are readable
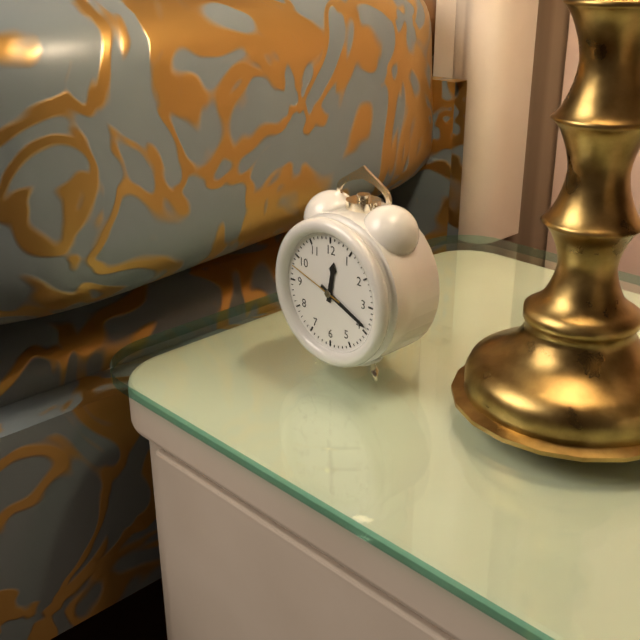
12.19.48
